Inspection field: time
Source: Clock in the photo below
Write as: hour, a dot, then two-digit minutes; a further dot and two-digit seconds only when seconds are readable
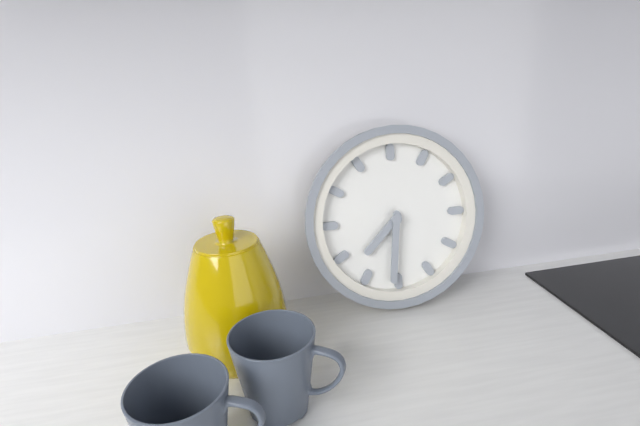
7.31
